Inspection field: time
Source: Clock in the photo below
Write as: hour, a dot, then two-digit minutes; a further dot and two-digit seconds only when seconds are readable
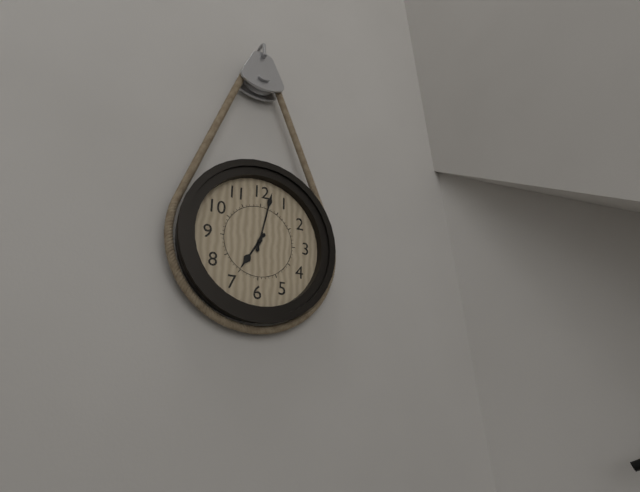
7.02
